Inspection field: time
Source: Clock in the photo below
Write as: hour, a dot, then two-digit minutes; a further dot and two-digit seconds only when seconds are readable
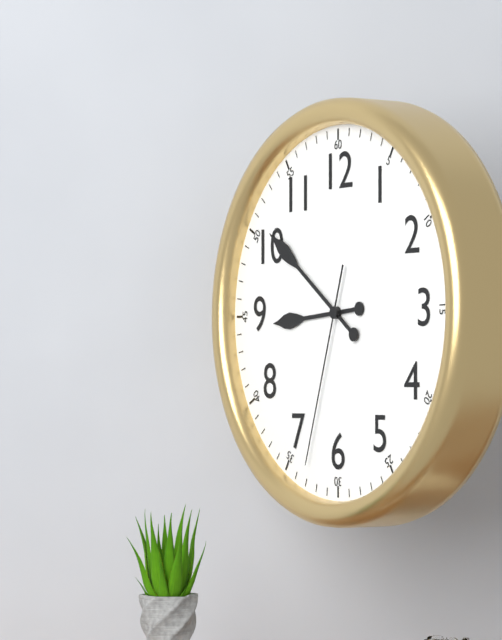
8.51.33
